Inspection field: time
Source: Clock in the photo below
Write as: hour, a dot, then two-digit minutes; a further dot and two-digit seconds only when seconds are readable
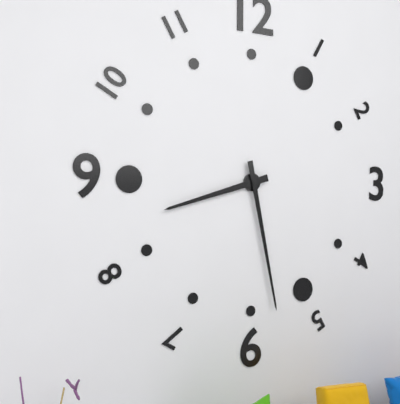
8.28
